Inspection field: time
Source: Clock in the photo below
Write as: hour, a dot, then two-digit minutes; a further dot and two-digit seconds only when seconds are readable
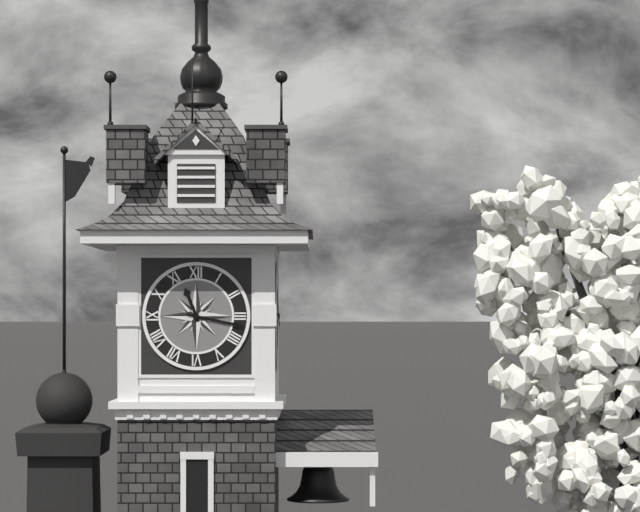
11.17
